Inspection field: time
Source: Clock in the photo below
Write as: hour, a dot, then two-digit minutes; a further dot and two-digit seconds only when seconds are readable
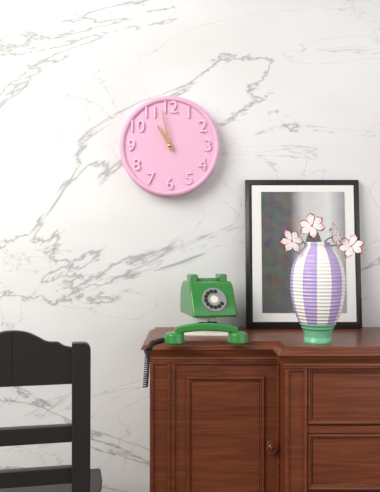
10.58
